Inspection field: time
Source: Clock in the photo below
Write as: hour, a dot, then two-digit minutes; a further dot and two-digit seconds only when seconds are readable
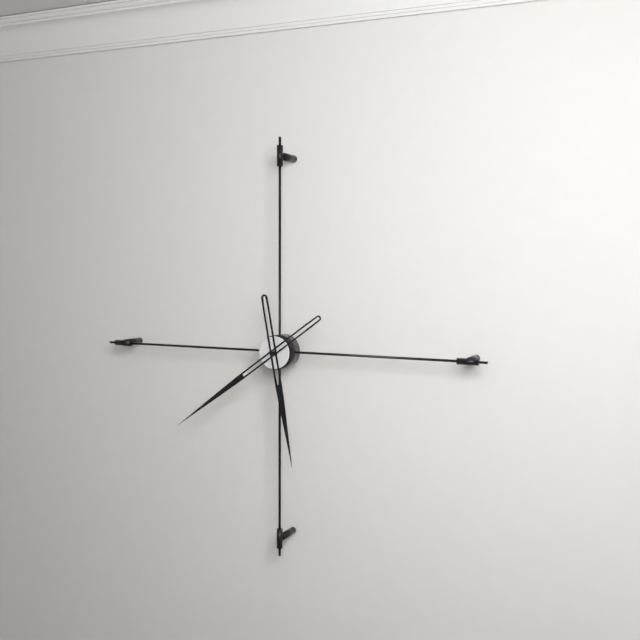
5.39
